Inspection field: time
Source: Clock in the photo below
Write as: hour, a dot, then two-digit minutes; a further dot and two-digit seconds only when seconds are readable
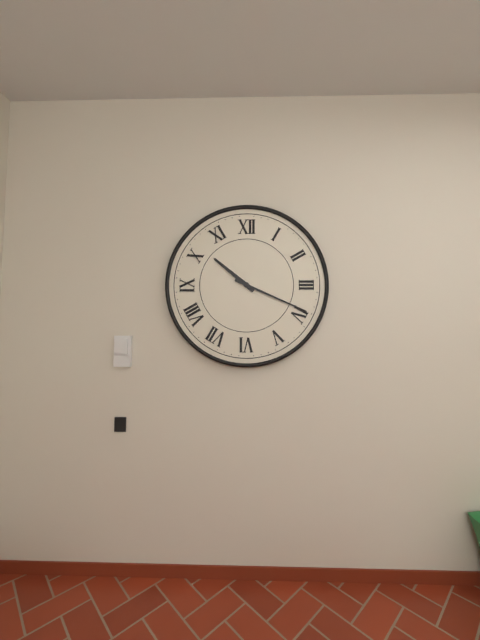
10.19
